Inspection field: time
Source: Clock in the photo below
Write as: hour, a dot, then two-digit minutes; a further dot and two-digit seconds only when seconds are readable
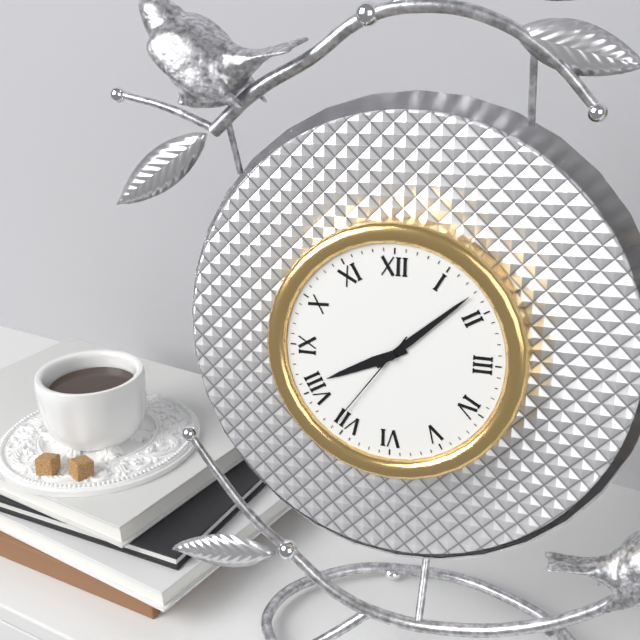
8.08.36
